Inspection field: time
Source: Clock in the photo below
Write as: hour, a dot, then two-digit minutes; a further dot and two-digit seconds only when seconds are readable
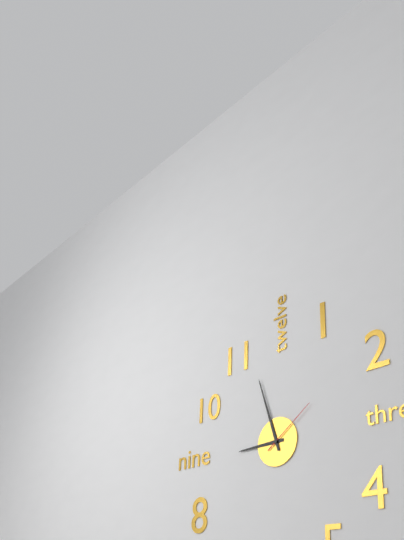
8.57.09
